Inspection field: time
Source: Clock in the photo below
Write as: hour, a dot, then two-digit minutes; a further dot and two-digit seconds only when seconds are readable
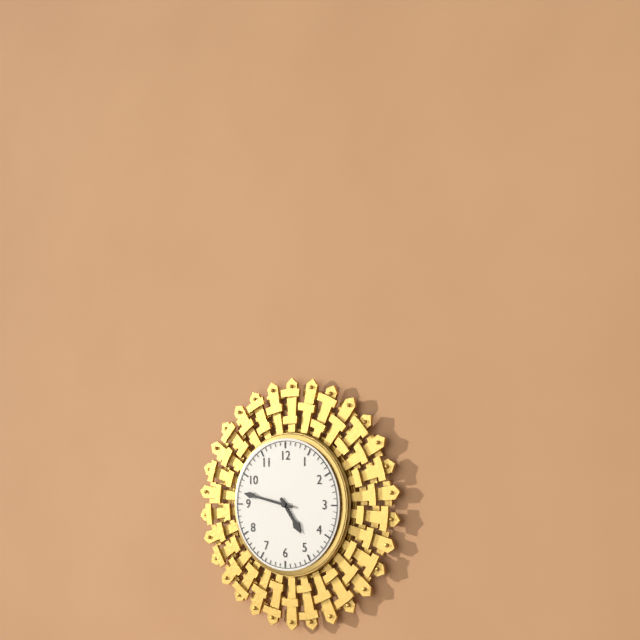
4.47
